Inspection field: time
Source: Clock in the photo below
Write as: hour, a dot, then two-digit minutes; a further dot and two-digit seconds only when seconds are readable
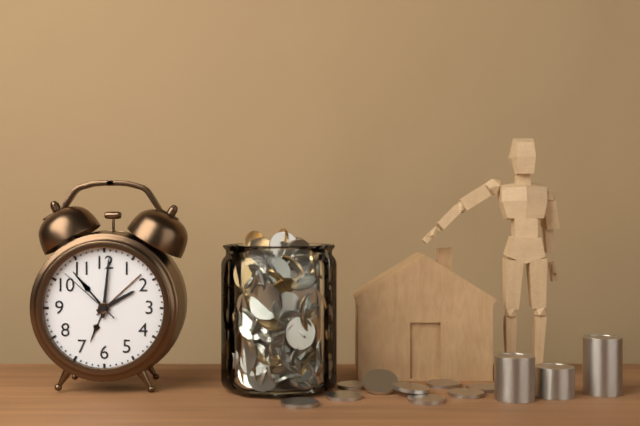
2.01.52
